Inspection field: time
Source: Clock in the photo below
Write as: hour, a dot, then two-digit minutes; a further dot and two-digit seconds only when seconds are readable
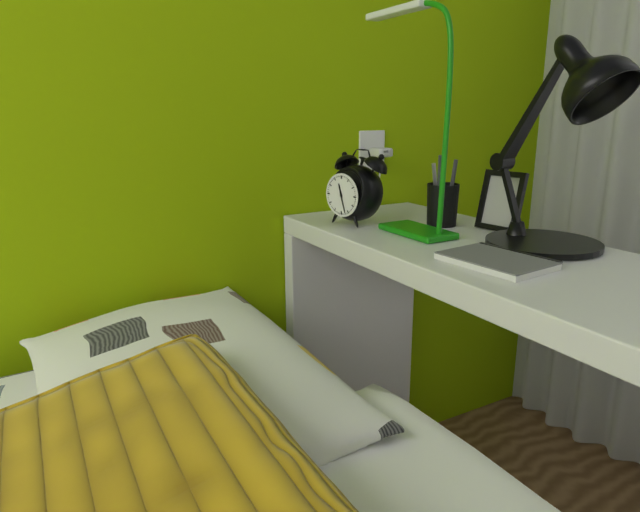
11.27
